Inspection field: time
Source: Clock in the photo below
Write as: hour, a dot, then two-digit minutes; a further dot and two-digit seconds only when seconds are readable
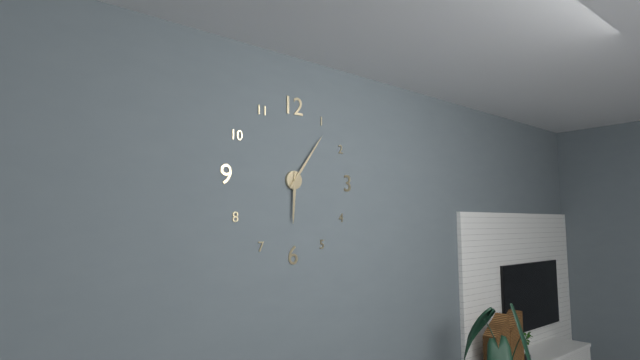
6.06
